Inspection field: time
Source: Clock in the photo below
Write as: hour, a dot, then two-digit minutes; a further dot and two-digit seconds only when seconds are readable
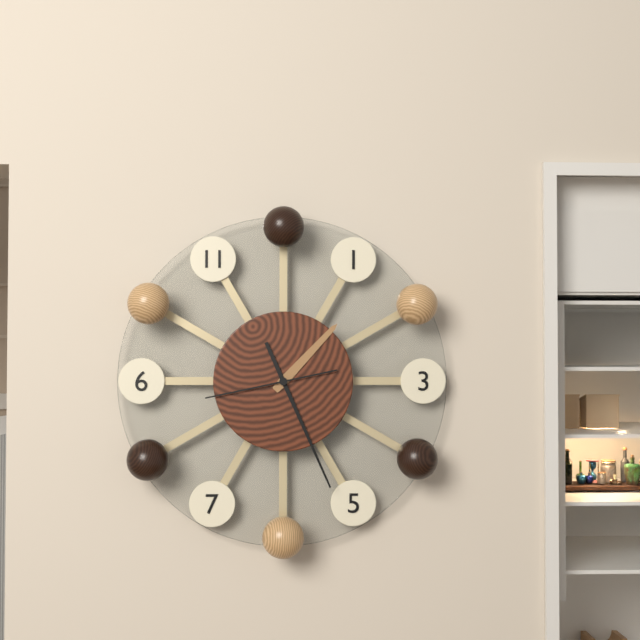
1.26.43
